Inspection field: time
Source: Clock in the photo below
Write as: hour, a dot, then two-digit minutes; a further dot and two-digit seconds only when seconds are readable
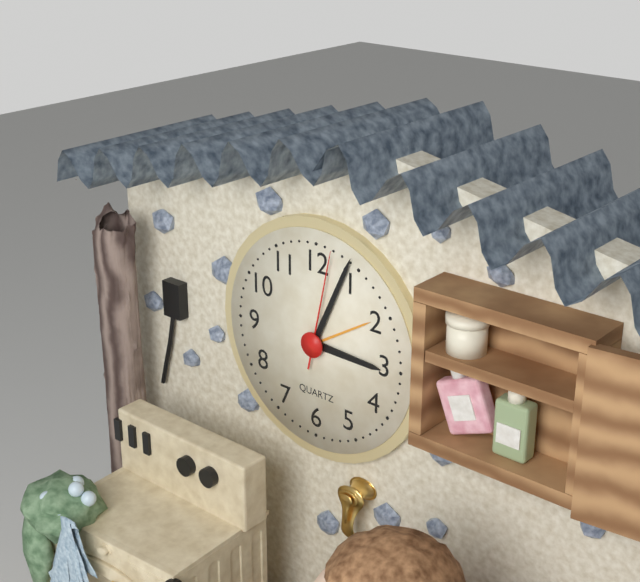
3.04.02
